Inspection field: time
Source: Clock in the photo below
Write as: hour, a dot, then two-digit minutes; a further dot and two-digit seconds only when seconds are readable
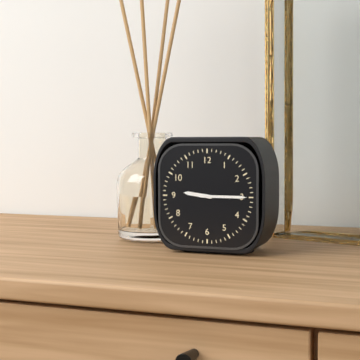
9.15
